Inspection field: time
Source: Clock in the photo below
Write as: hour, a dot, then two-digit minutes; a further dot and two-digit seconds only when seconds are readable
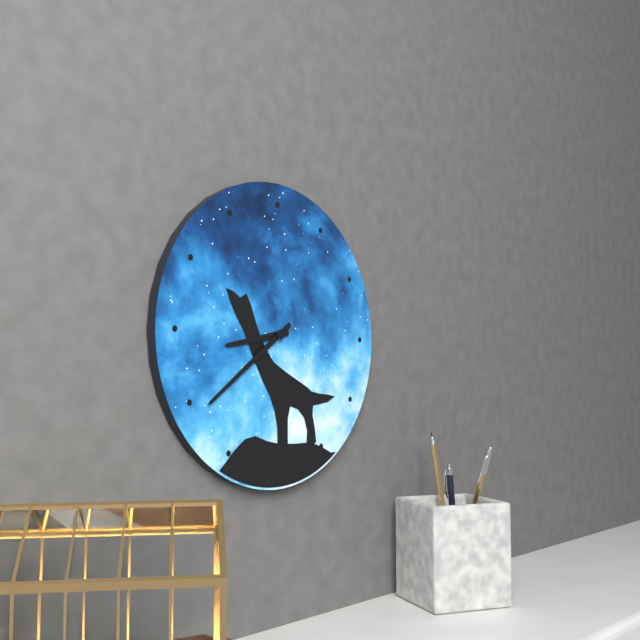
8.39
